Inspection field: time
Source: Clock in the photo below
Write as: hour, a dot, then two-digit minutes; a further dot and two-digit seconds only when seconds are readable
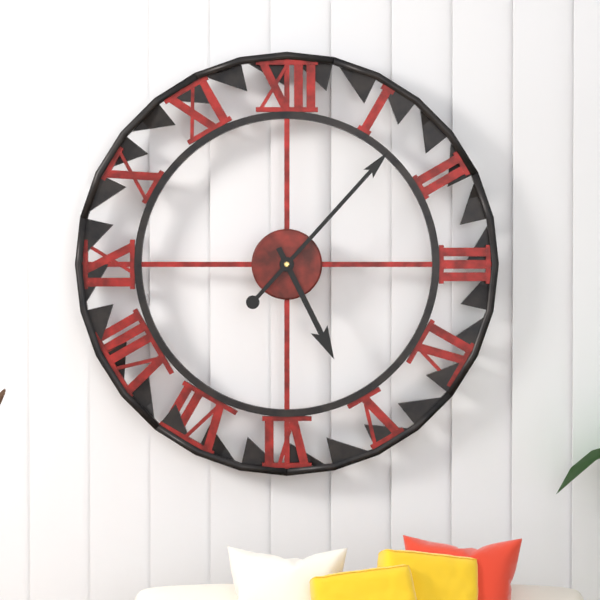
5.07
